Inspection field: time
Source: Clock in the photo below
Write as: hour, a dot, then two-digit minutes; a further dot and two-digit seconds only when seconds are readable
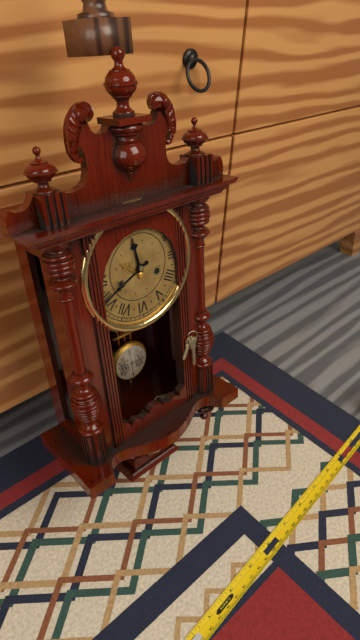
11.41
